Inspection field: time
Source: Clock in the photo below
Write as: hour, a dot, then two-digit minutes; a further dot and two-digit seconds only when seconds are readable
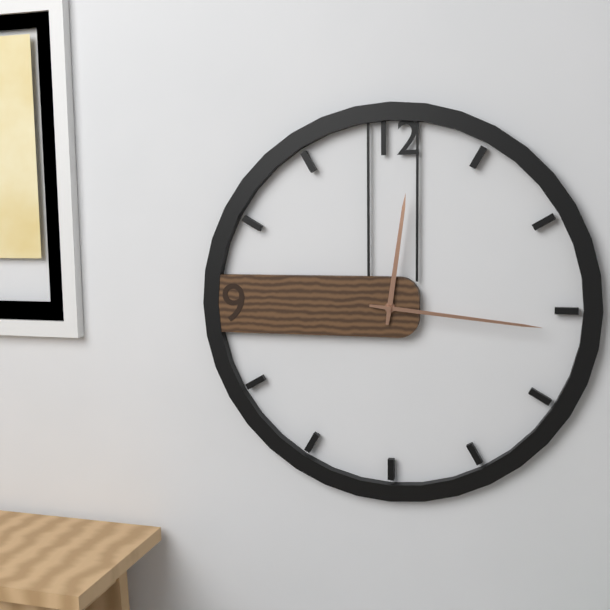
12.16
